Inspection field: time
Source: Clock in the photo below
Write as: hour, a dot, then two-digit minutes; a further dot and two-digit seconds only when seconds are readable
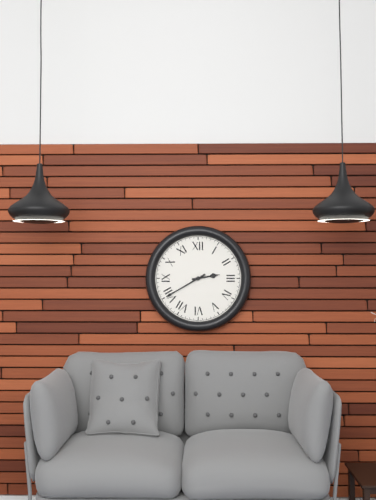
2.40
